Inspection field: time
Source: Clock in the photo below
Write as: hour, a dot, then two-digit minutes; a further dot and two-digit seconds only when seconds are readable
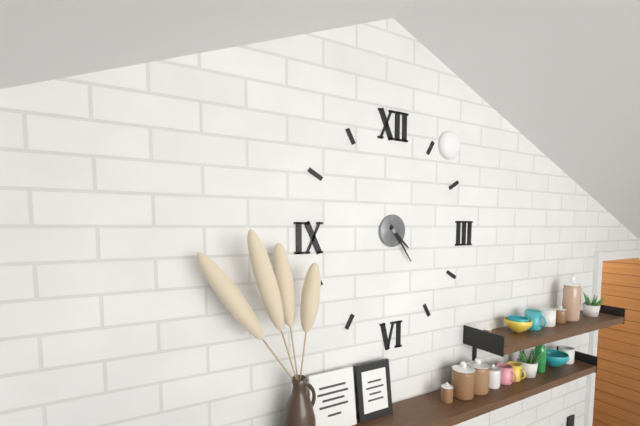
4.24
